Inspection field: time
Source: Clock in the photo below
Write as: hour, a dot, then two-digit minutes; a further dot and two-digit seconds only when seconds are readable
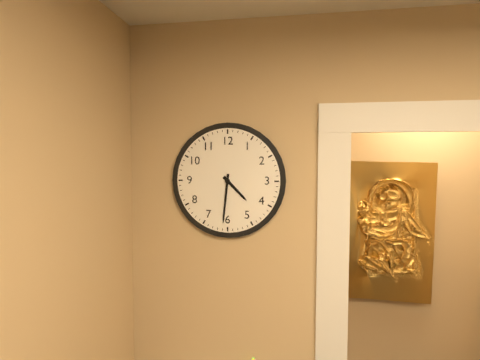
4.31
